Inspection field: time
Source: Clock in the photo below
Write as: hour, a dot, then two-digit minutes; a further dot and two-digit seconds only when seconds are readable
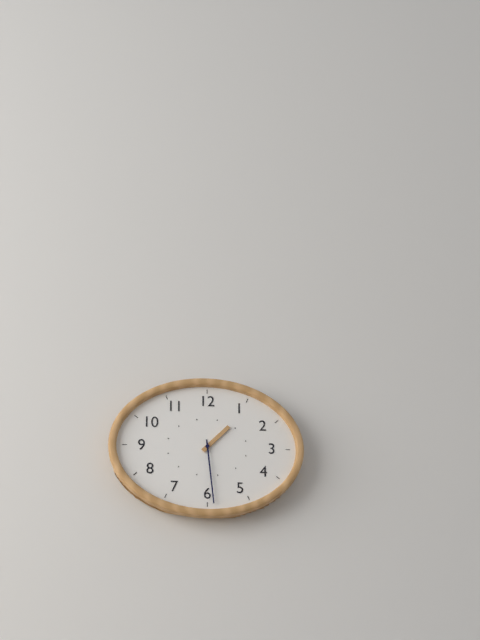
1.29
